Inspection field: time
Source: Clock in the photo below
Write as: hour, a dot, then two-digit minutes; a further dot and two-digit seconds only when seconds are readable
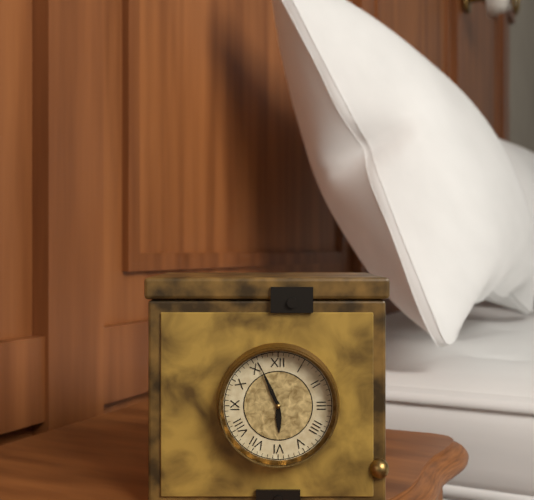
5.56
